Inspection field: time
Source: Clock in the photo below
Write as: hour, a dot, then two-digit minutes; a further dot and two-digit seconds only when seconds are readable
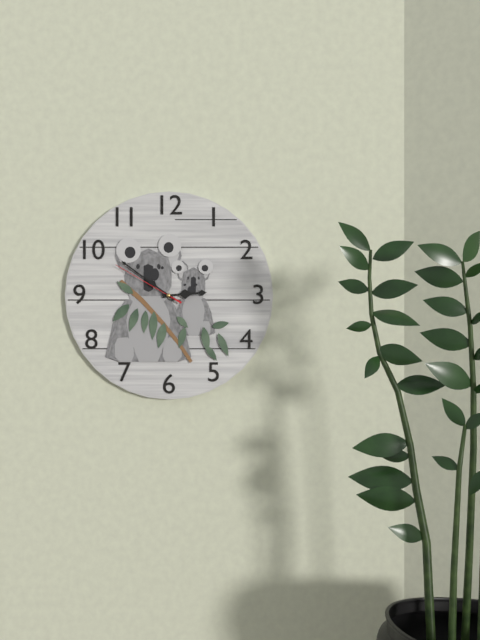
2.51.50
